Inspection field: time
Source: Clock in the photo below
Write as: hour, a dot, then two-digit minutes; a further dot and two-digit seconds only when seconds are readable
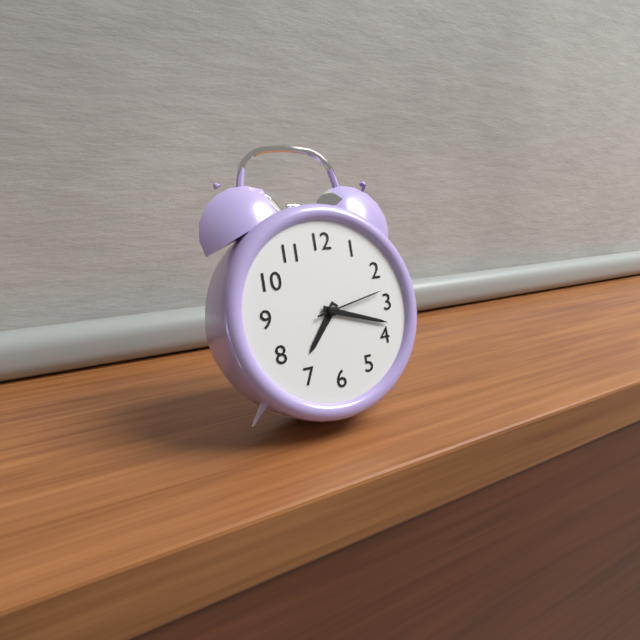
7.18.13
